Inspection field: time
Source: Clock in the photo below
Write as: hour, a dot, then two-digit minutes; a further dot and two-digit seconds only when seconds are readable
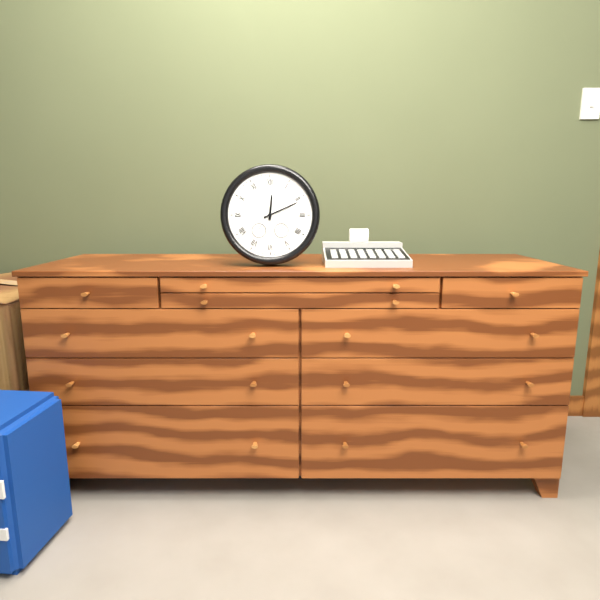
12.11
